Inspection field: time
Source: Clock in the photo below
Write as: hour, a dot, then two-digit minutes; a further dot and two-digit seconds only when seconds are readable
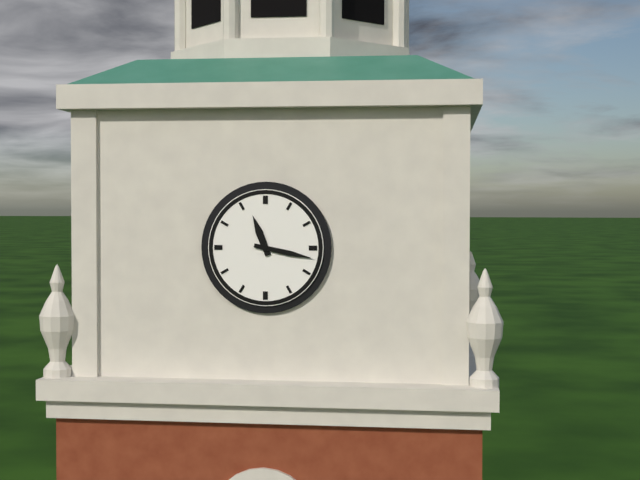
11.17
